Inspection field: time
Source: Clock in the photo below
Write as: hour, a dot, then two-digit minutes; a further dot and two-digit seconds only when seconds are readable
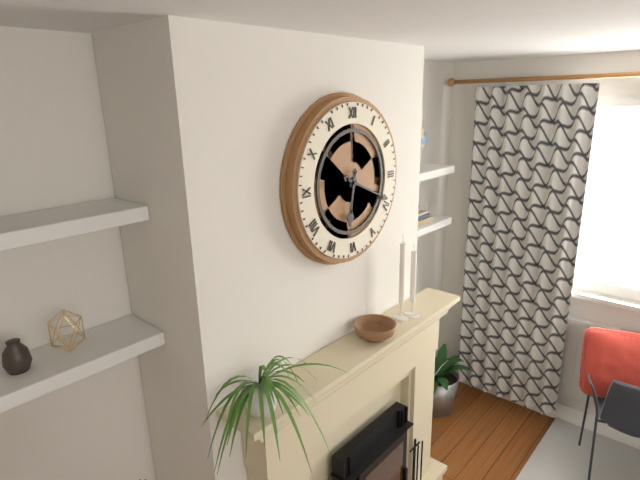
6.19
